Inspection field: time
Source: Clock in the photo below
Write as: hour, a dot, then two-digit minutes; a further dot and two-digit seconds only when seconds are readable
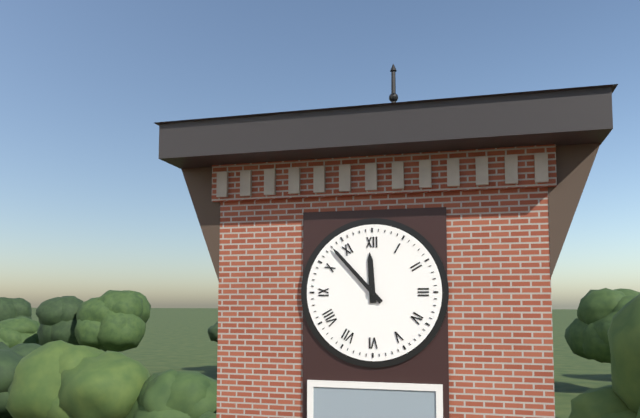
11.53
